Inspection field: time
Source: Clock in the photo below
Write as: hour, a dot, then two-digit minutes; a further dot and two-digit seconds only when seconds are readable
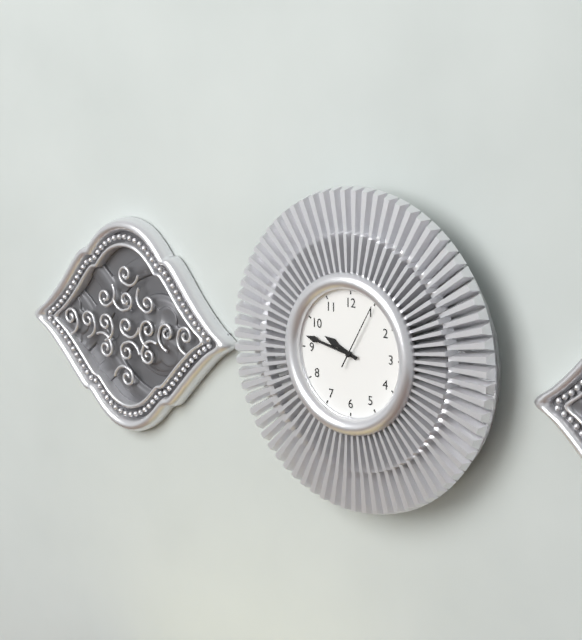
9.47.05
